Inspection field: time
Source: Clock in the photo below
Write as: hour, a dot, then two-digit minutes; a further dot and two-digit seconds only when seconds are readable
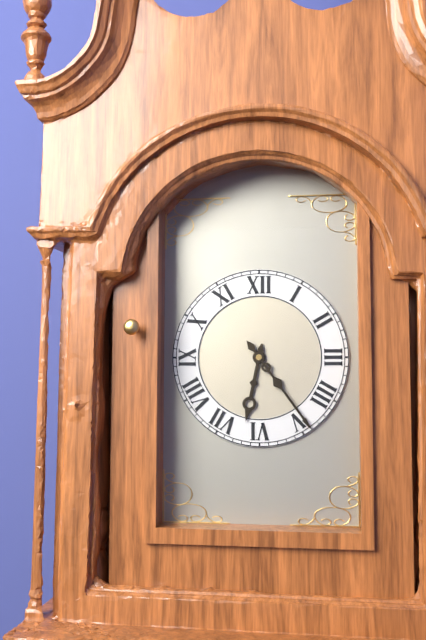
6.24
